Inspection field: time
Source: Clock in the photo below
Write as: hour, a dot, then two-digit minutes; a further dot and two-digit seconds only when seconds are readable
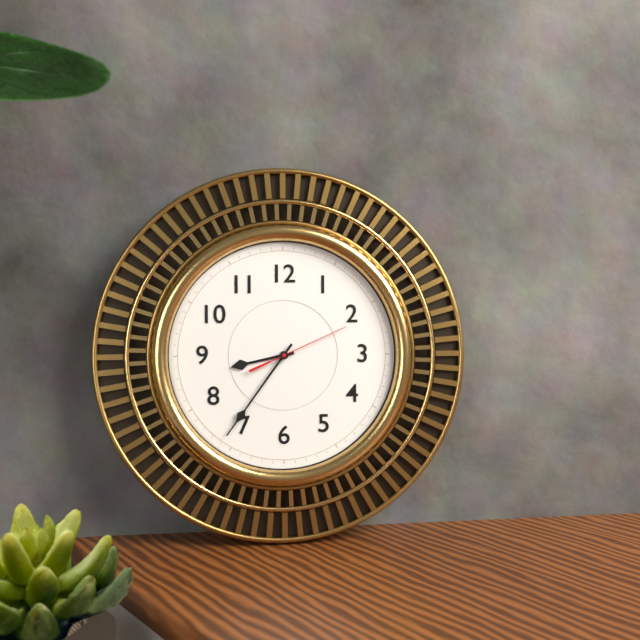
8.36.11
